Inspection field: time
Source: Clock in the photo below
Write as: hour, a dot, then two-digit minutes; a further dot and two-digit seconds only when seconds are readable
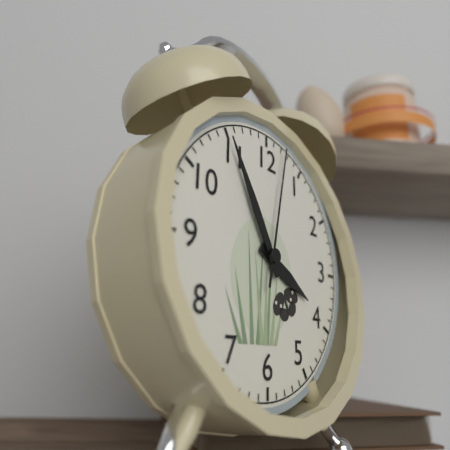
3.55.02
